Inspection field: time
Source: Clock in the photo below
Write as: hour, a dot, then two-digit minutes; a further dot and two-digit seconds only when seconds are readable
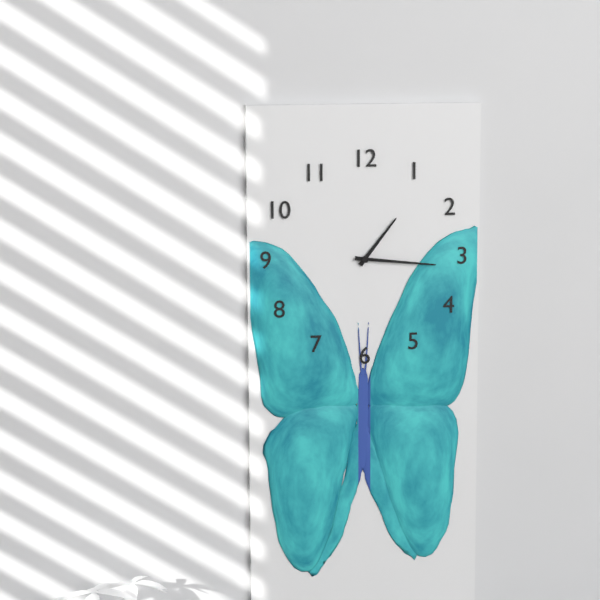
1.16
